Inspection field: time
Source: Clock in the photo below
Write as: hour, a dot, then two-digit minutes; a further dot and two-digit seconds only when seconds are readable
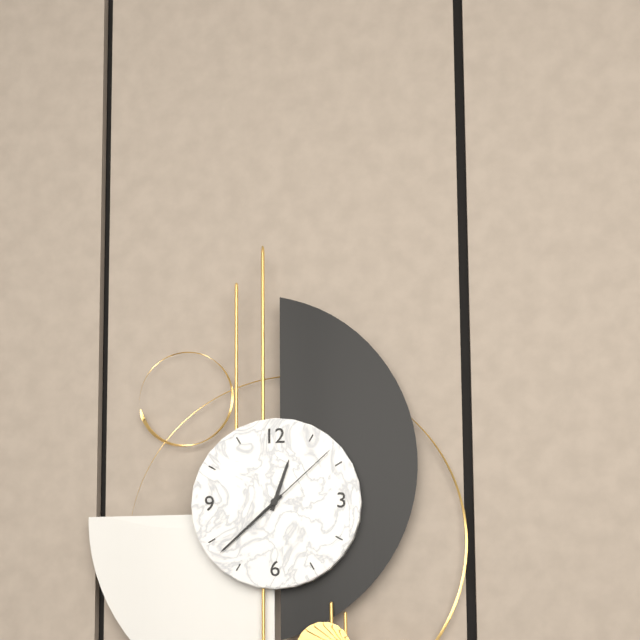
12.38.08
